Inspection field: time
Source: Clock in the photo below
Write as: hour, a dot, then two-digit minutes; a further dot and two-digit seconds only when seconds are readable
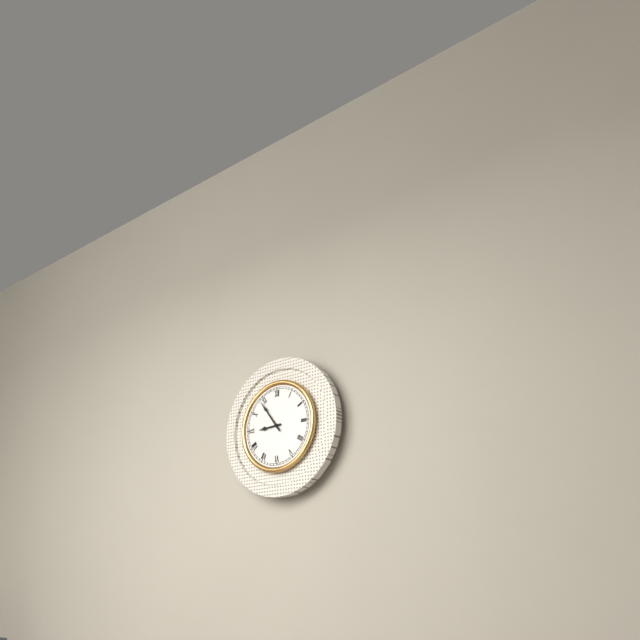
8.54
